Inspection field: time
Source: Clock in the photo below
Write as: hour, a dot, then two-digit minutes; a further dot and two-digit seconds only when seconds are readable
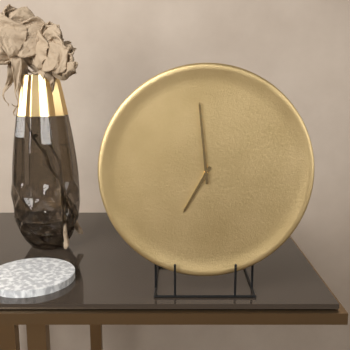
6.59
